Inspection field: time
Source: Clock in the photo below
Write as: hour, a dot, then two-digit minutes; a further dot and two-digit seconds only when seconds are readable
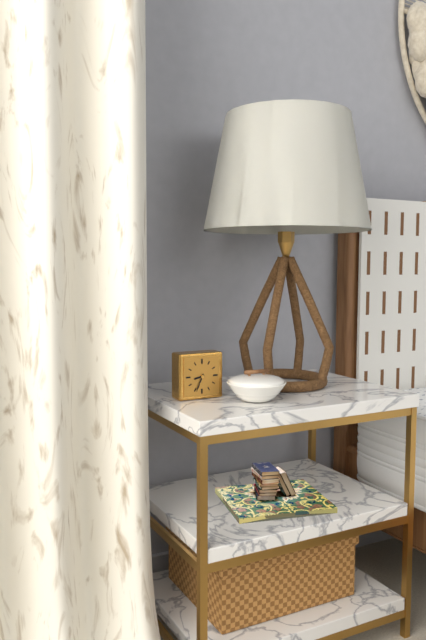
8.34
